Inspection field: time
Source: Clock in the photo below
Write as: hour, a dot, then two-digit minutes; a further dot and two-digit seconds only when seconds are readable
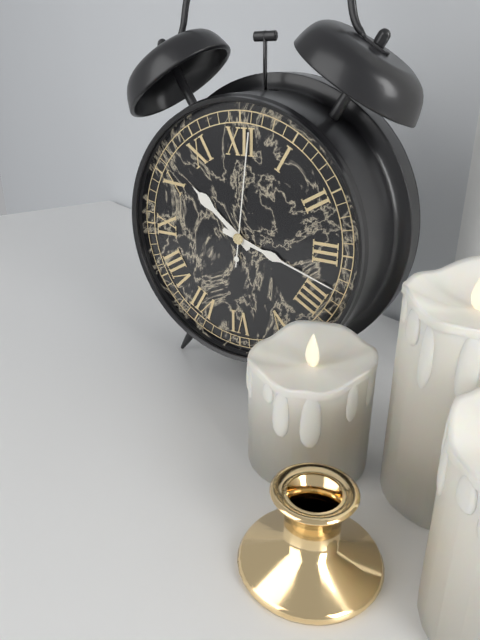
10.18.01
